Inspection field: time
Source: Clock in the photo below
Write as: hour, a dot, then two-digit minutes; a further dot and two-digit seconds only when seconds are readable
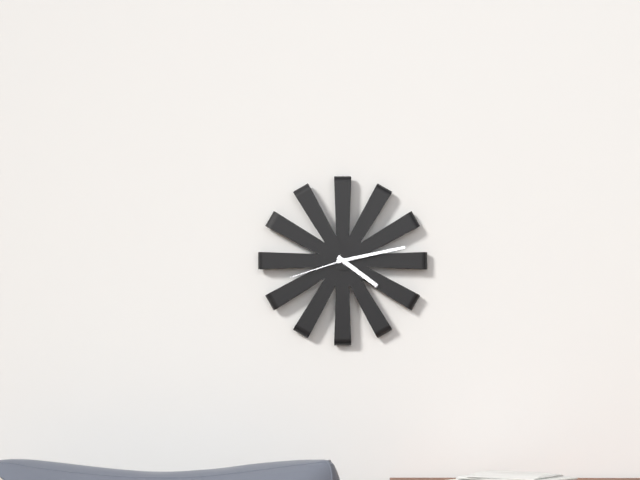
4.13.42
